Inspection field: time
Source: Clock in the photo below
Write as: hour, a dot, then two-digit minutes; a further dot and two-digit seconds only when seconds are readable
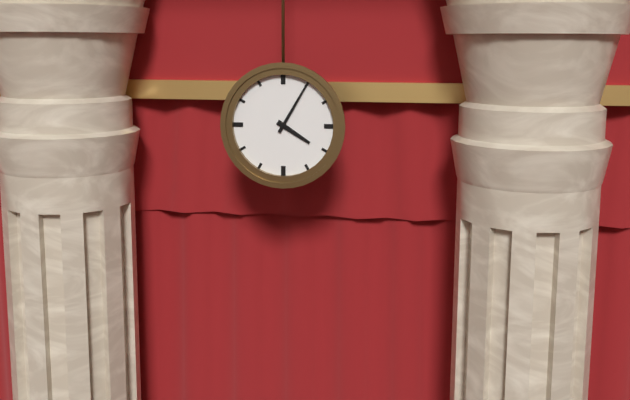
4.05
